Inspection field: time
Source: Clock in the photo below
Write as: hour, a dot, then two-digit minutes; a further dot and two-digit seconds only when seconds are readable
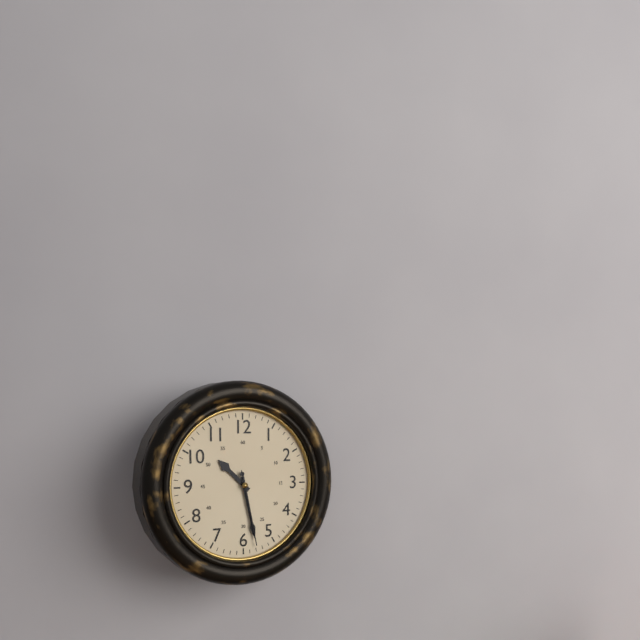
10.28.28
